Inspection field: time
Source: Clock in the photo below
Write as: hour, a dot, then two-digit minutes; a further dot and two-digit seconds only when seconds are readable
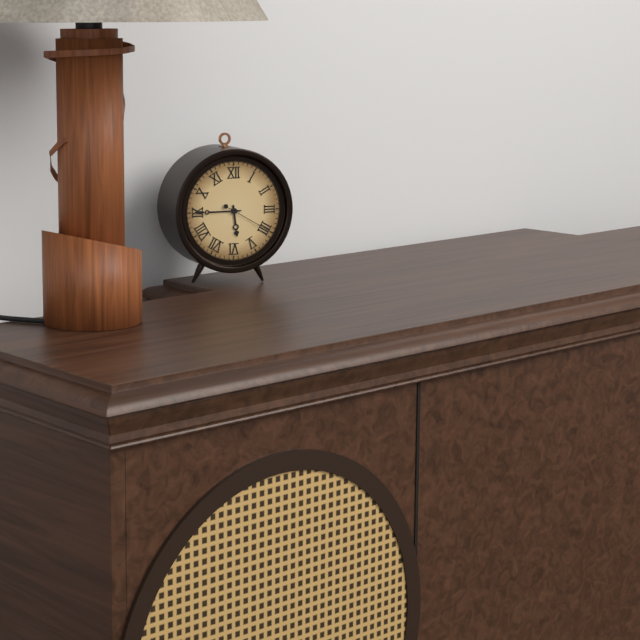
5.45.20
